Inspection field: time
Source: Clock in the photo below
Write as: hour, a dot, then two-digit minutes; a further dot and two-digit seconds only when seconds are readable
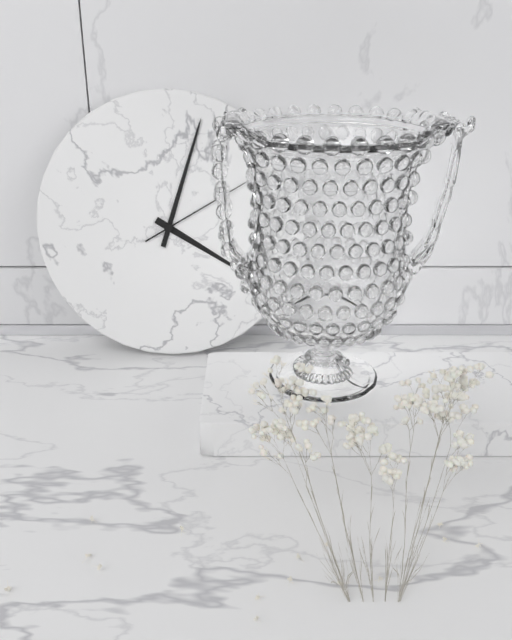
4.03.10
